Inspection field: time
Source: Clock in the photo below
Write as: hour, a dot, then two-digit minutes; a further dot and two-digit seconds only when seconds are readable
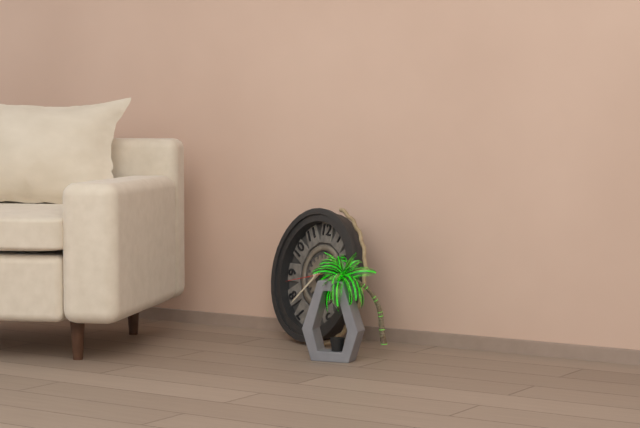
1.38
